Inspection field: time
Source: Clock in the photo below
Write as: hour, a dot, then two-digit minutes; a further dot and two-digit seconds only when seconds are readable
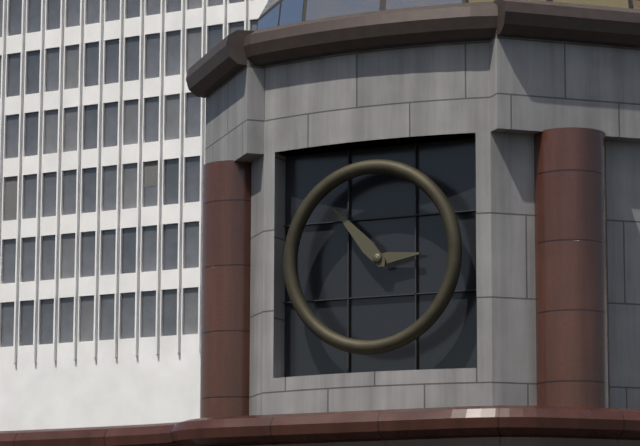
2.53
